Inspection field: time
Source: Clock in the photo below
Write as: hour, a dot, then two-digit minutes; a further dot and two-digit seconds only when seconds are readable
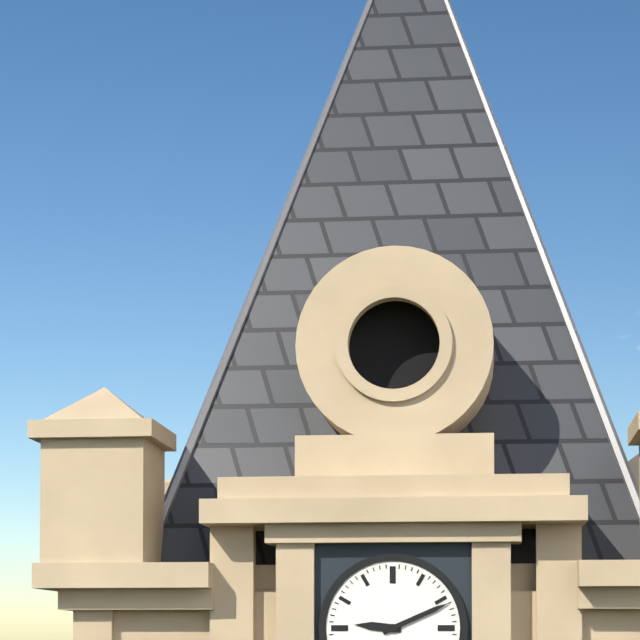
9.11
